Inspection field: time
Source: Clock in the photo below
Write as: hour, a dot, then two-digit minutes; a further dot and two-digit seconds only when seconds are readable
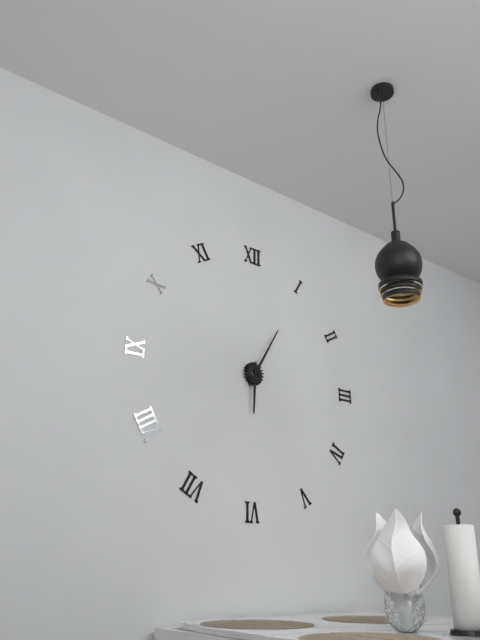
6.05
